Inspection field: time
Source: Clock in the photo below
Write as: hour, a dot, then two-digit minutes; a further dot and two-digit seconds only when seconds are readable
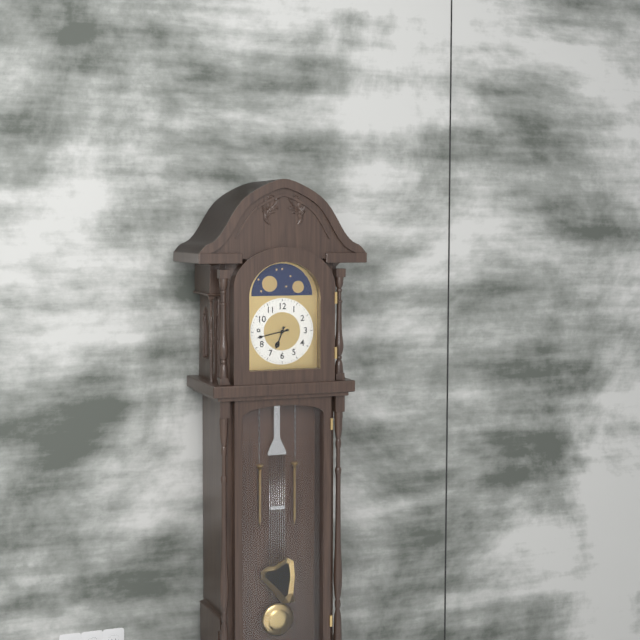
6.43
